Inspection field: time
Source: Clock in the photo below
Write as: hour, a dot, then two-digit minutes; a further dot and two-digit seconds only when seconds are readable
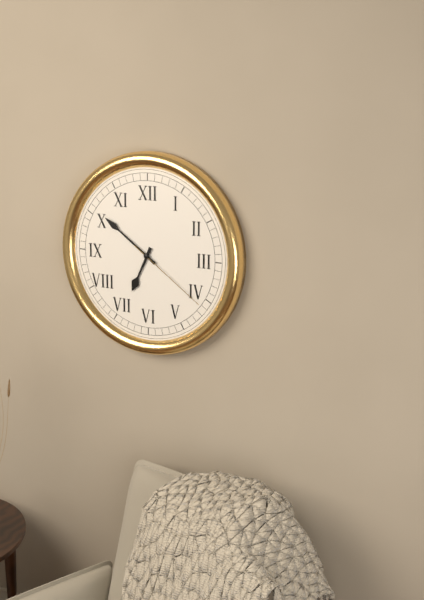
6.51.21
